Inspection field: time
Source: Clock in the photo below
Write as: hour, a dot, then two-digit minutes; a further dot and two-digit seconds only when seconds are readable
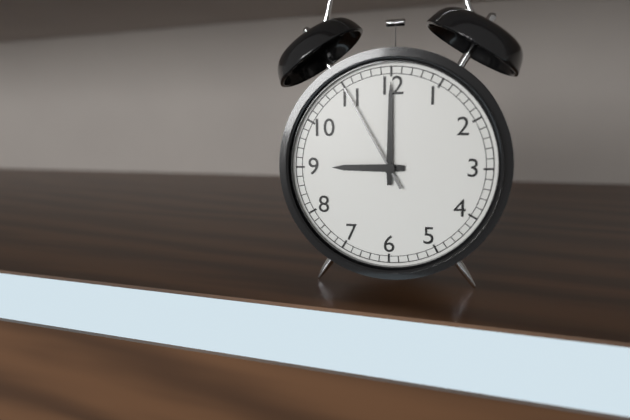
9.00.55
